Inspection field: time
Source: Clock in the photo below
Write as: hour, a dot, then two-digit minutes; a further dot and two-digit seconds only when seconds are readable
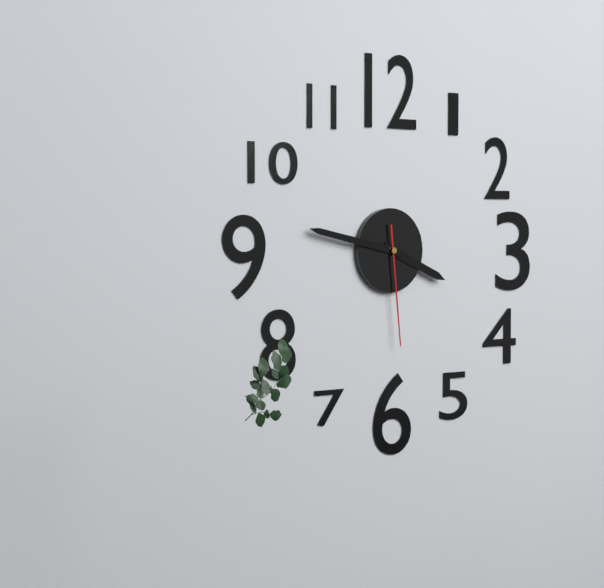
3.47.29
